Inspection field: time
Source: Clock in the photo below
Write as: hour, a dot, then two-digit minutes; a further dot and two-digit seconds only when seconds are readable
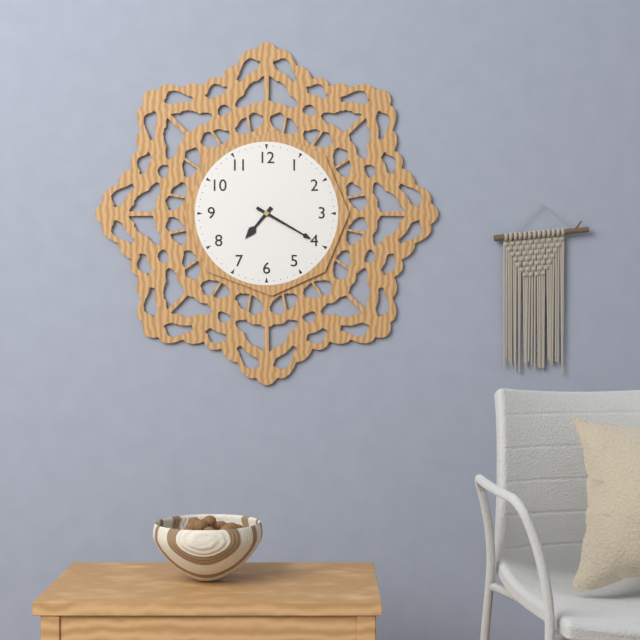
7.20
